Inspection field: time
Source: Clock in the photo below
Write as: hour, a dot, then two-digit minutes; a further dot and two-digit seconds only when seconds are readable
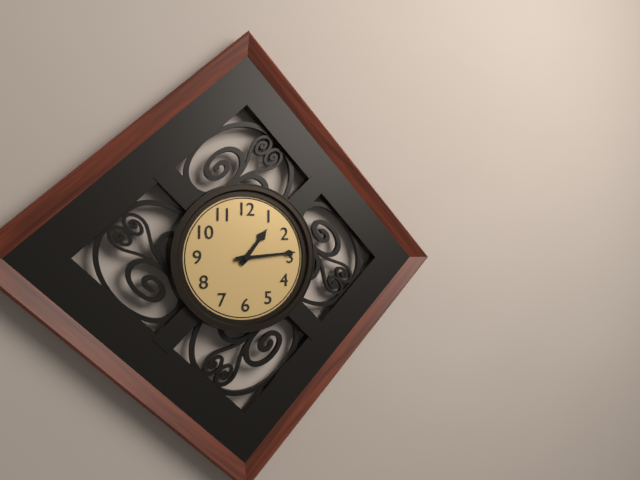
1.14
